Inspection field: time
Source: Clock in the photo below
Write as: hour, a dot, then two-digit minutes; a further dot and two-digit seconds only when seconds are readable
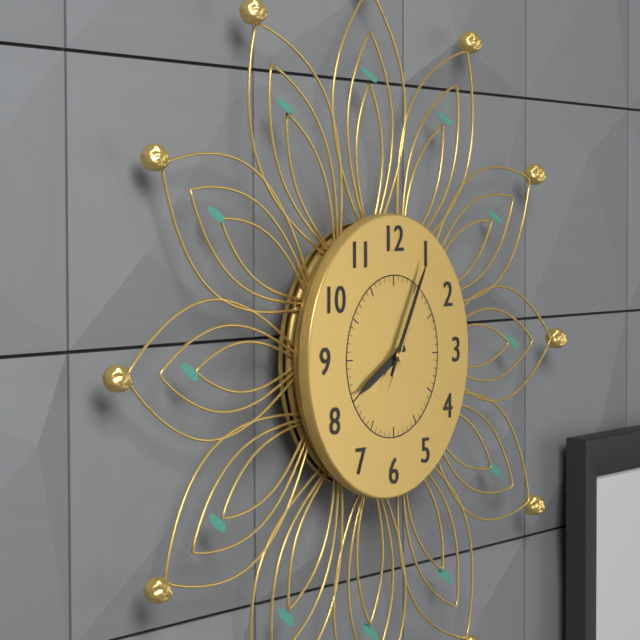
8.05.05
